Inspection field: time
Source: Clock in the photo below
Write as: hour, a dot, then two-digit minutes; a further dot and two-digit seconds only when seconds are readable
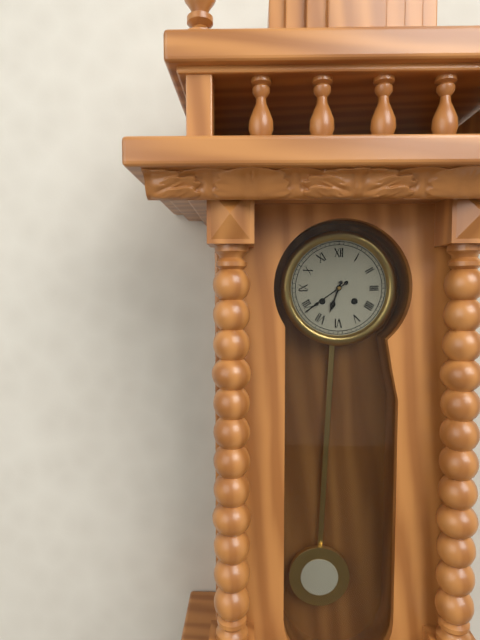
6.39
